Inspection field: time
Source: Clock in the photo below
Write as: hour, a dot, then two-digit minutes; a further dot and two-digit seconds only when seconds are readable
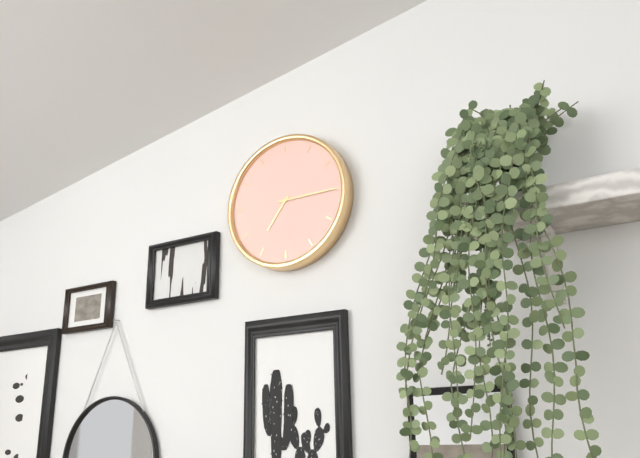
7.15
